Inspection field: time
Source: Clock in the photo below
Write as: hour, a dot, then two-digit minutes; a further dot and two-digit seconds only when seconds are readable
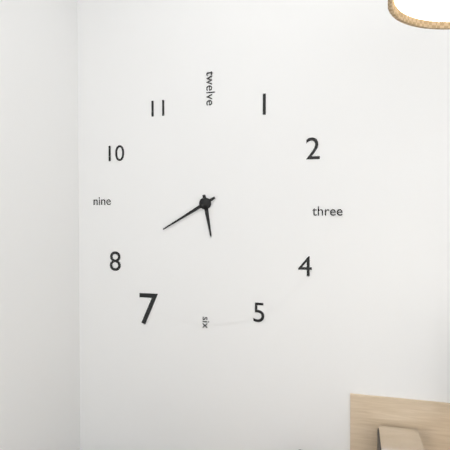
5.40
